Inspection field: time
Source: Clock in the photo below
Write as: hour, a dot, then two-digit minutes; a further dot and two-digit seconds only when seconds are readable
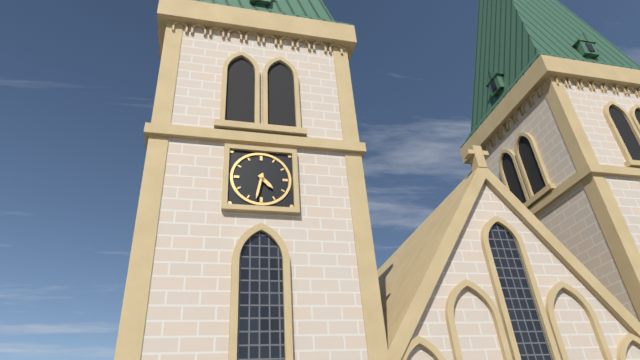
4.32
